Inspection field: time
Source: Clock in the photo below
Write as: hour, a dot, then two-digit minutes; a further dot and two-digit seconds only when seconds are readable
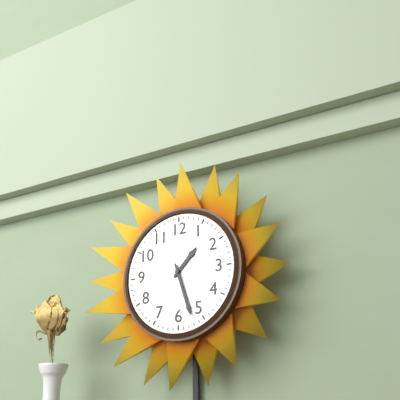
1.27
